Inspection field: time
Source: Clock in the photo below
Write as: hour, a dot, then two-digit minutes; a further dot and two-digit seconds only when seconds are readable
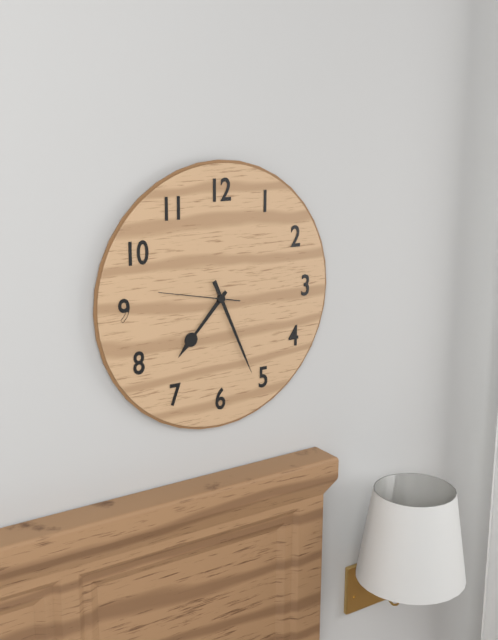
7.26.47
